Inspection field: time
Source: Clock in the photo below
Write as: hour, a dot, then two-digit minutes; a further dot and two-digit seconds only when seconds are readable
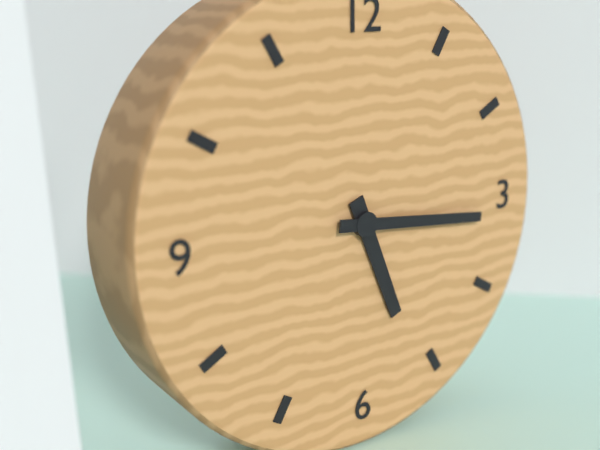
5.16
